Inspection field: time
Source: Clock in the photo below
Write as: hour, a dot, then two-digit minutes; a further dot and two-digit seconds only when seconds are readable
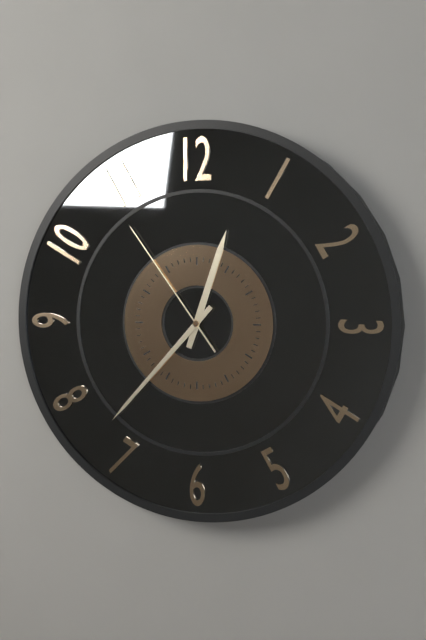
12.37.54
